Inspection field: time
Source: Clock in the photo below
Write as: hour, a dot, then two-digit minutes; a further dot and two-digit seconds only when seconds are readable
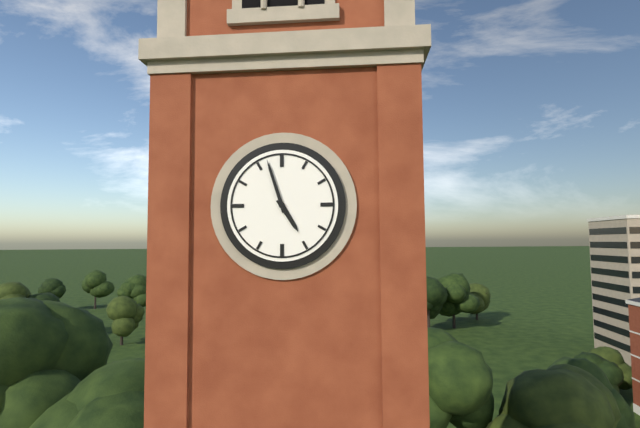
4.57
